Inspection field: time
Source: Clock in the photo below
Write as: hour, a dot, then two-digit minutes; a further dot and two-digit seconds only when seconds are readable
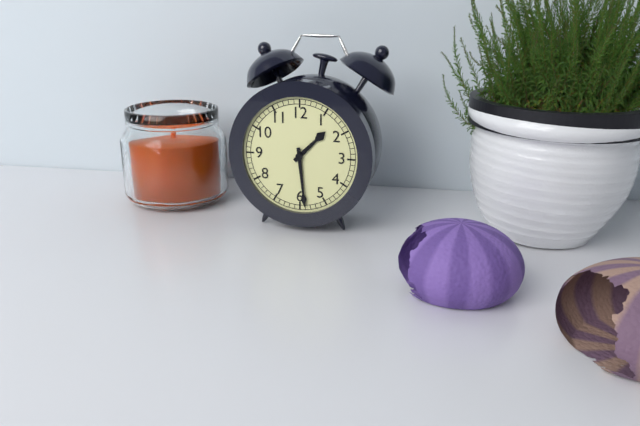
1.29
